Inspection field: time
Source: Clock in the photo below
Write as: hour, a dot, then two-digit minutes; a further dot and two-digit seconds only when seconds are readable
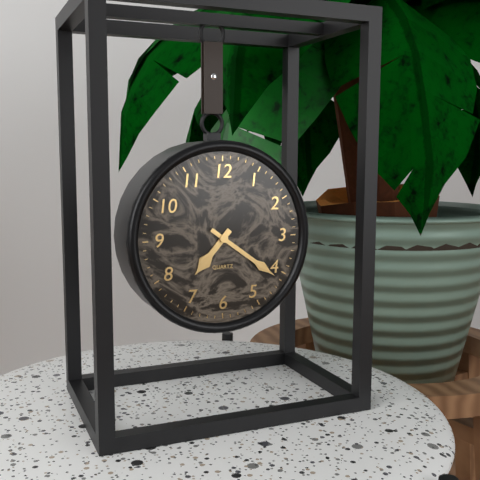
7.21
